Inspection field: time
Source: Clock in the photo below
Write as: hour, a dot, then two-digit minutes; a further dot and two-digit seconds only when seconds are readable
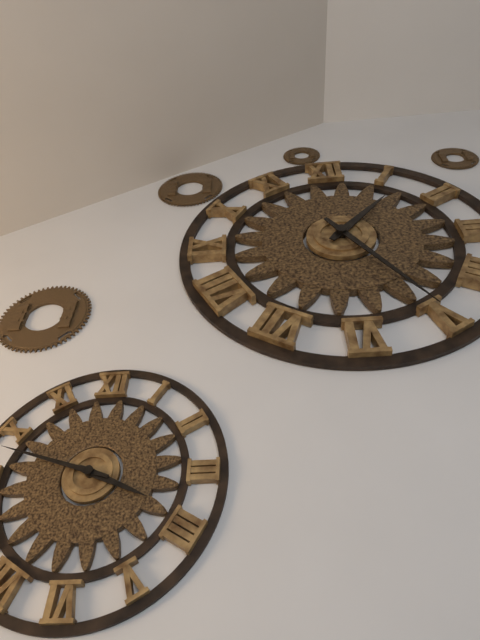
1.25
